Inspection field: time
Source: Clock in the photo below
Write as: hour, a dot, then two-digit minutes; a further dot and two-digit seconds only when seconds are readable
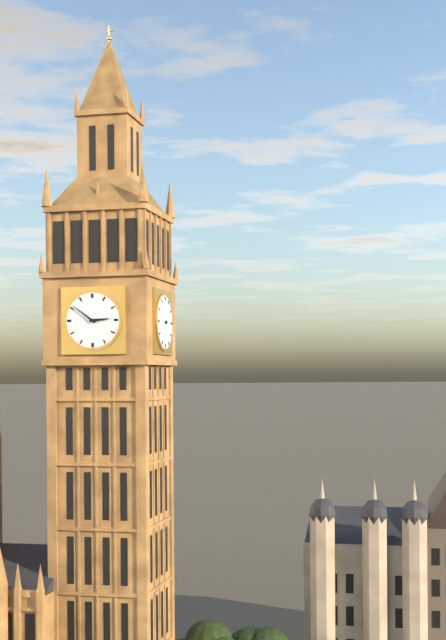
2.51
